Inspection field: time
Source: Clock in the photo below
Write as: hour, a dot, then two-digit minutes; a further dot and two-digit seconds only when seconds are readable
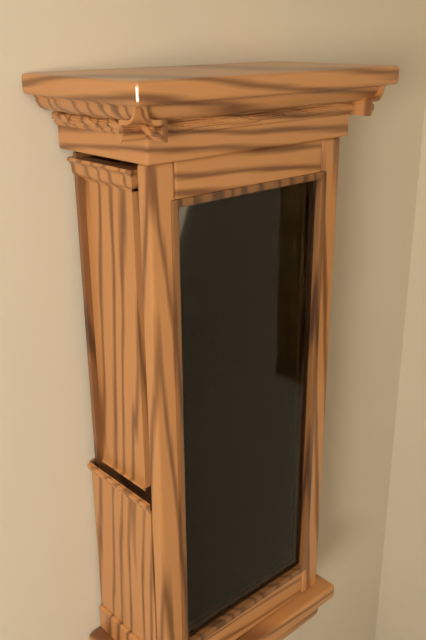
4.09
